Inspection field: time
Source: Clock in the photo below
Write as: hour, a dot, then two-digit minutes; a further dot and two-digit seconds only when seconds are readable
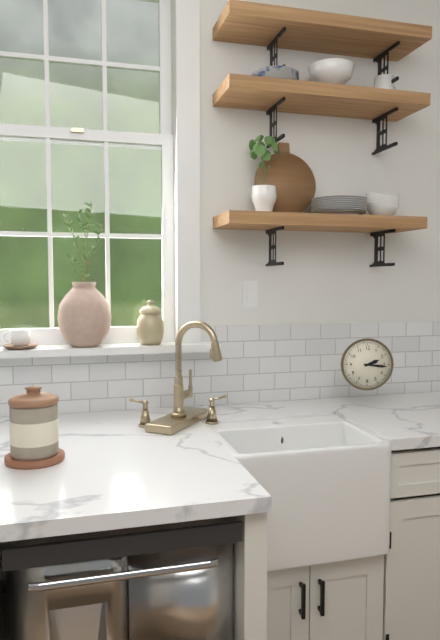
2.16
